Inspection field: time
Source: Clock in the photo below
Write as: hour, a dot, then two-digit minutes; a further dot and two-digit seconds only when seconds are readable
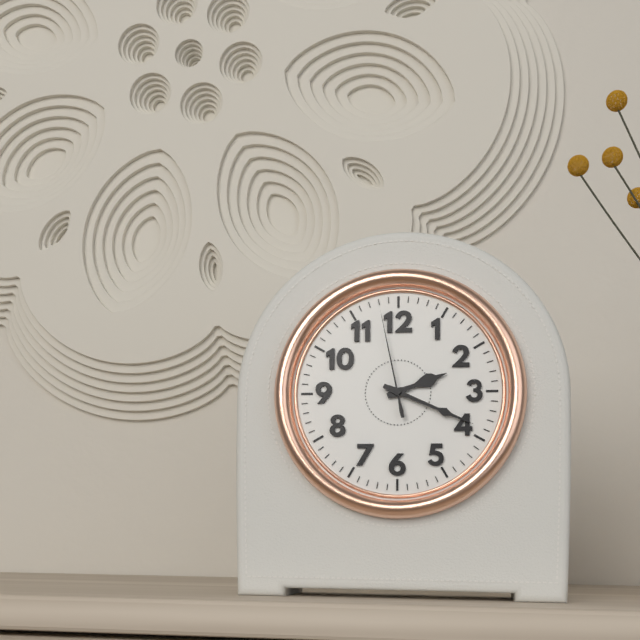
2.19.58
